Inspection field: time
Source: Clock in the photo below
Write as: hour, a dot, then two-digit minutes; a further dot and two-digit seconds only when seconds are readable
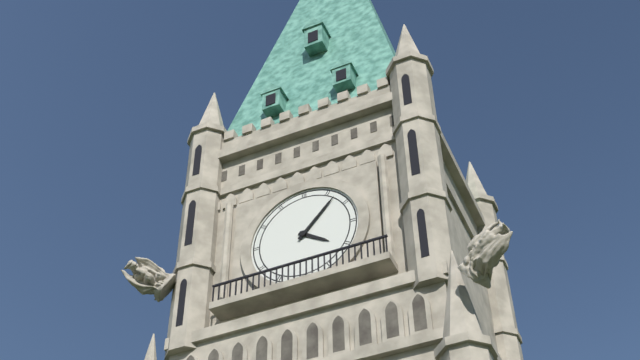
4.07
